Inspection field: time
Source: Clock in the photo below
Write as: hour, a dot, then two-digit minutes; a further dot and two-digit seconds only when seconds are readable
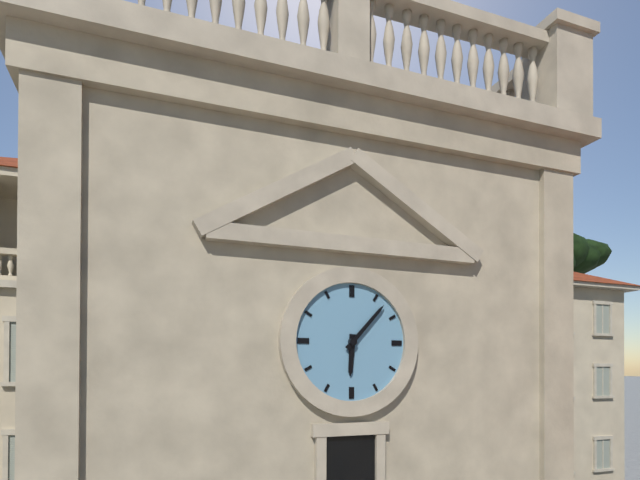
6.07
